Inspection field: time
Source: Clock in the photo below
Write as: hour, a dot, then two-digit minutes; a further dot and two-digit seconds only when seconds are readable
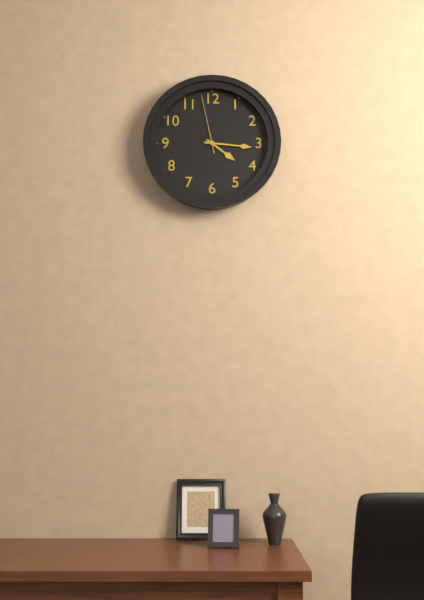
4.16.58
